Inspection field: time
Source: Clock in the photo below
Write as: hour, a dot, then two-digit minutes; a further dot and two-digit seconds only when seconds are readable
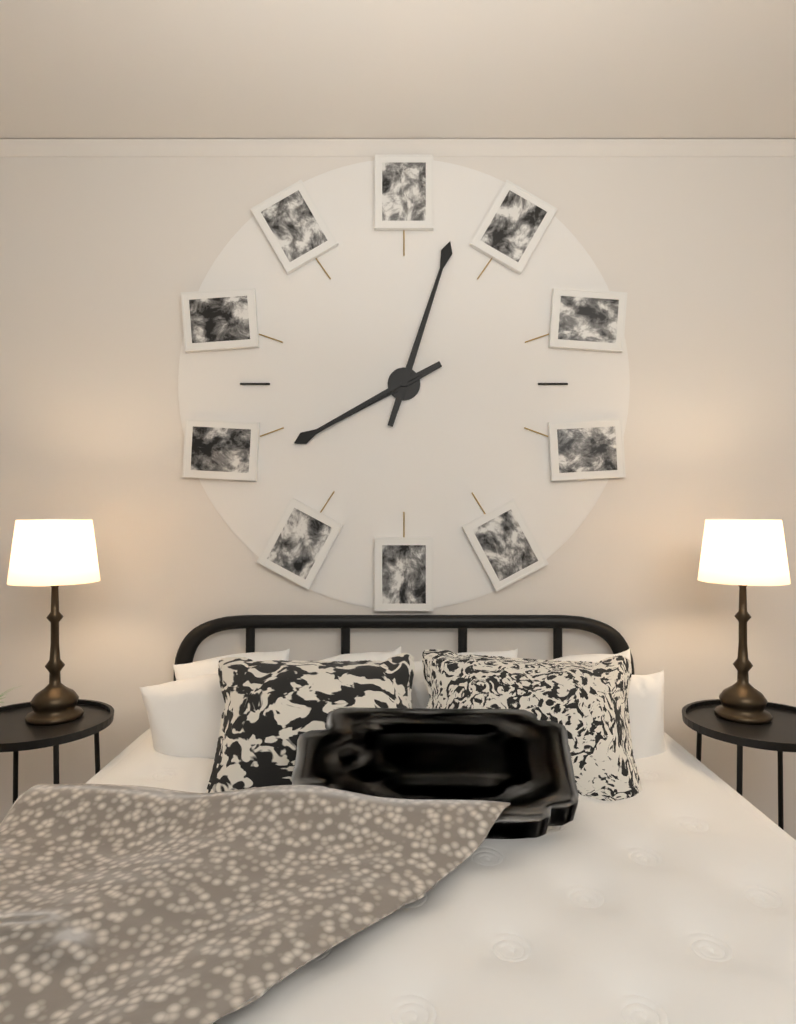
8.03.40
